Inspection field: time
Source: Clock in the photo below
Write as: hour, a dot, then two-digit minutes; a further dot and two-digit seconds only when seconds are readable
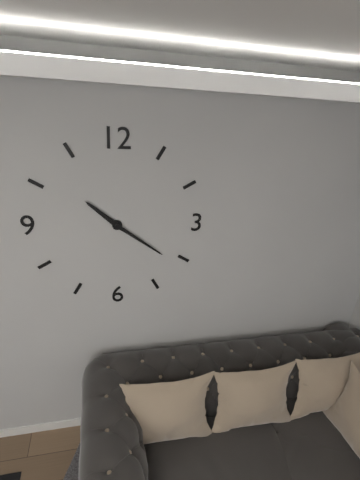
10.21
